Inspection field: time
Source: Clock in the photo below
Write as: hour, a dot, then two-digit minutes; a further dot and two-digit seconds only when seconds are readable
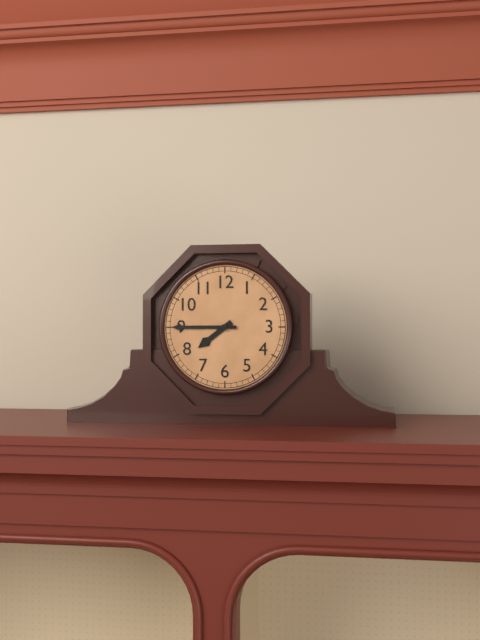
7.45
